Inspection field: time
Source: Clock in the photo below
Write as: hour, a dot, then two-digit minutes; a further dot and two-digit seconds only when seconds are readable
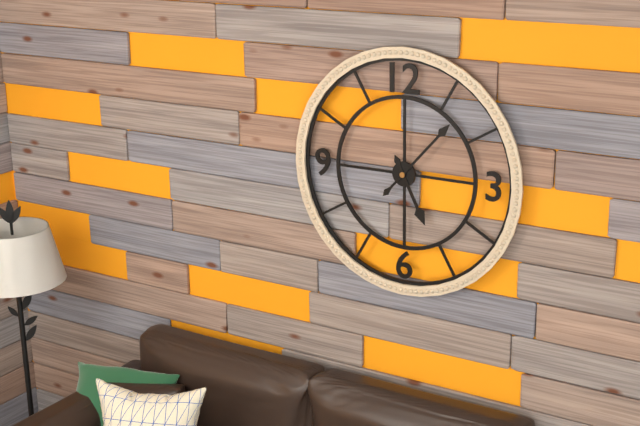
5.07
